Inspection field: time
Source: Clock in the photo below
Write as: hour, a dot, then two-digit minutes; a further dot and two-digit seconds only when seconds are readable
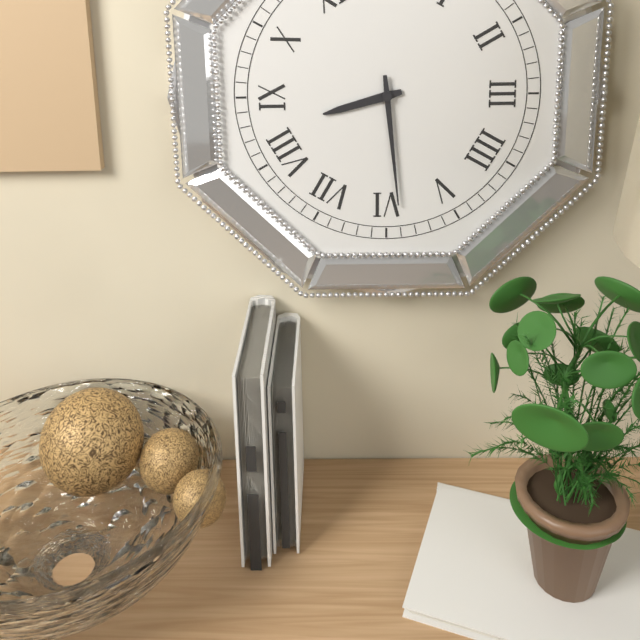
8.29
